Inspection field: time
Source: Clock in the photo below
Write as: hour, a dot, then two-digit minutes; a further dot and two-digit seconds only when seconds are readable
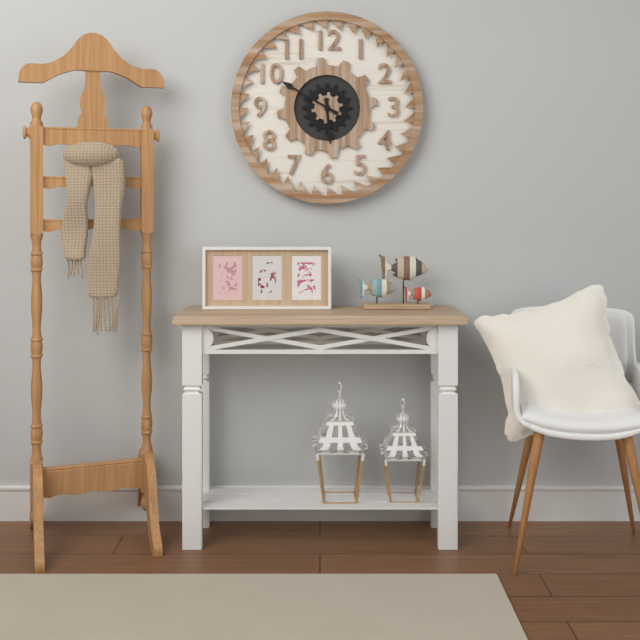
5.50
